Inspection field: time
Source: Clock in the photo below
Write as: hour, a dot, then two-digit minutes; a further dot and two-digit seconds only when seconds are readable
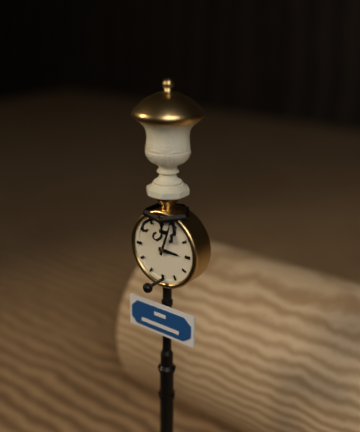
3.03
